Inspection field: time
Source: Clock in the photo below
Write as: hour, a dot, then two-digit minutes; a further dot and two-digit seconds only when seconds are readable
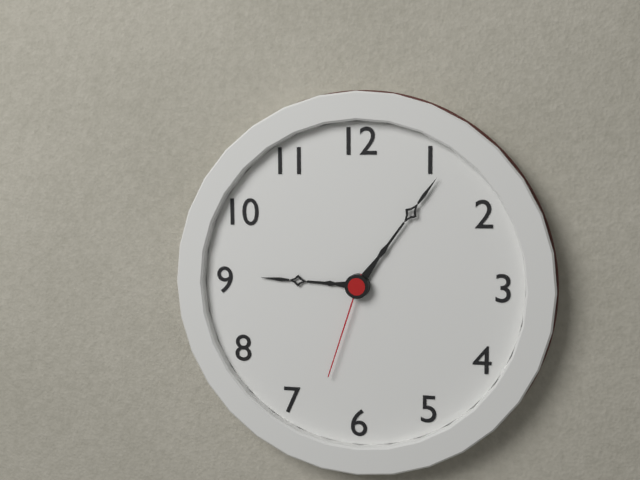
9.06.33
